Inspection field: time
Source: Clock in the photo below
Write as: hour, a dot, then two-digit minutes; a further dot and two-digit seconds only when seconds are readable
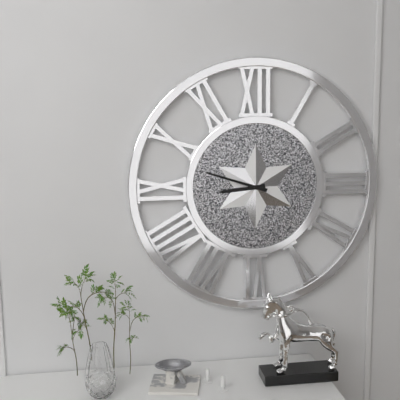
8.48
